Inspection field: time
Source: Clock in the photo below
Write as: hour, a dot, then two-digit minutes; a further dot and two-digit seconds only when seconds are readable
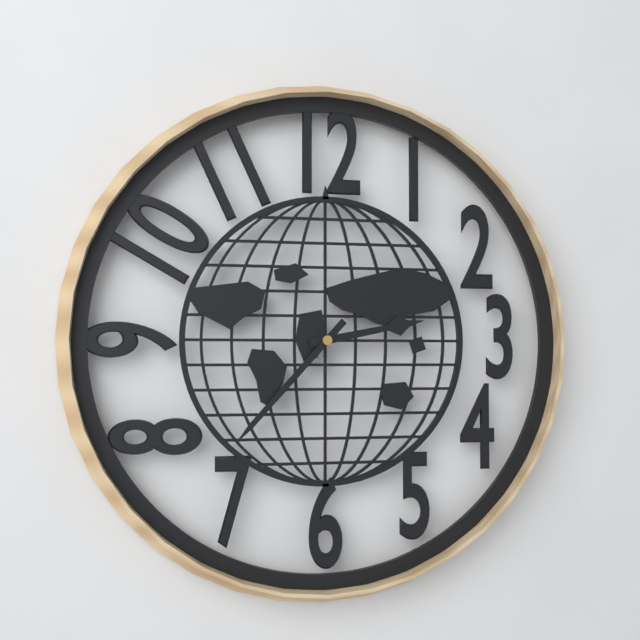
2.37
